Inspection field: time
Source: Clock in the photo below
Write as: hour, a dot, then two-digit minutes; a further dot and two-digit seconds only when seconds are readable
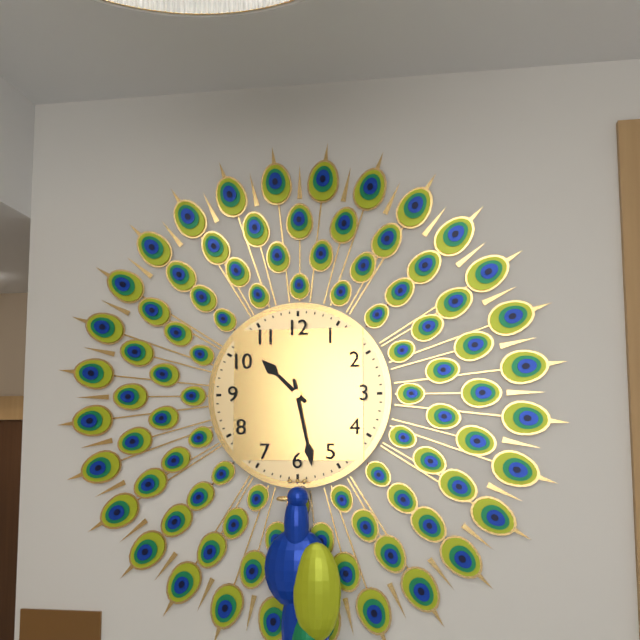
10.28
